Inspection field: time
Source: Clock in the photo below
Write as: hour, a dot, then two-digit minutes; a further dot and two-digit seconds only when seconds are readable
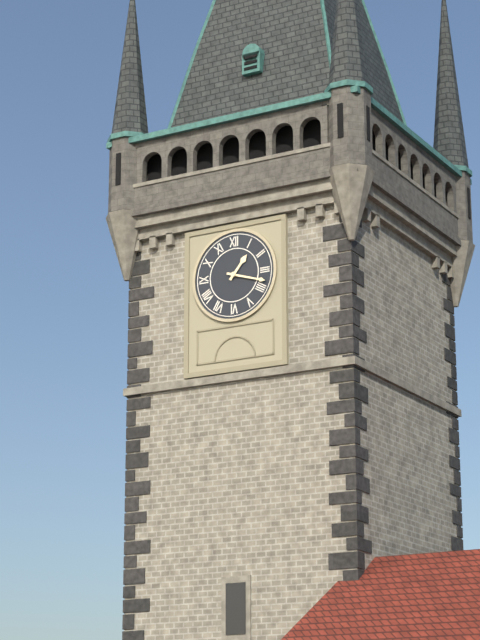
1.18
